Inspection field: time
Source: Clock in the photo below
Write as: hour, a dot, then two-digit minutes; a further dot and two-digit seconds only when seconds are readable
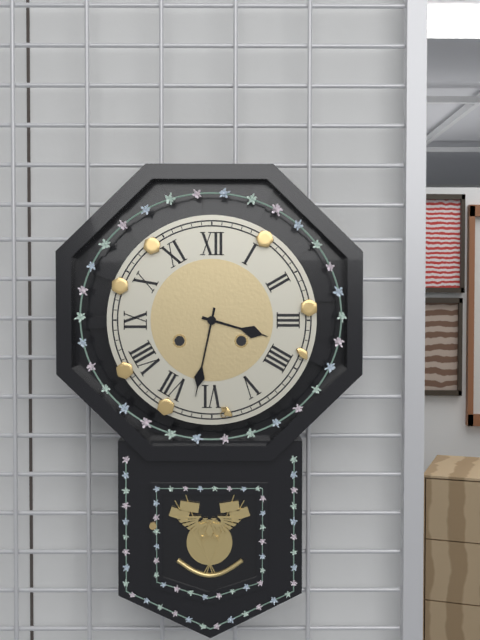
3.32
